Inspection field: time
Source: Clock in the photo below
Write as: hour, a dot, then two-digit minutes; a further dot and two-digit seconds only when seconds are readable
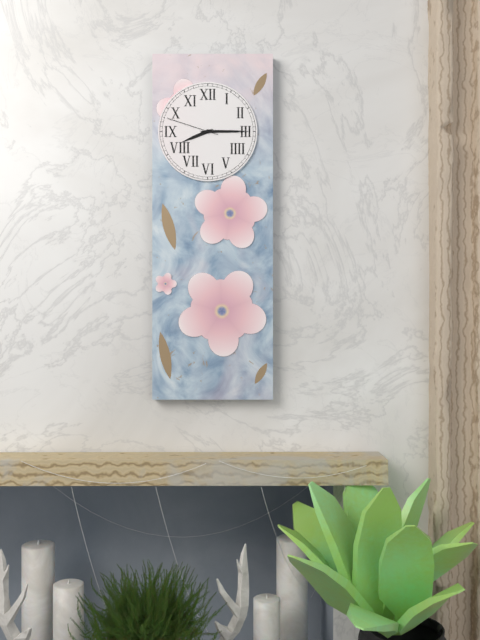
8.15.48
